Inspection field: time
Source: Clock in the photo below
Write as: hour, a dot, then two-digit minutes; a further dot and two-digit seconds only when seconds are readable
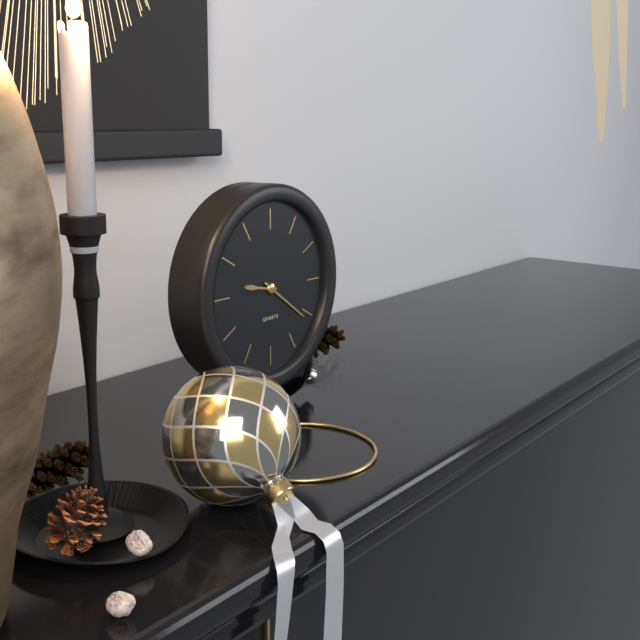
9.21
